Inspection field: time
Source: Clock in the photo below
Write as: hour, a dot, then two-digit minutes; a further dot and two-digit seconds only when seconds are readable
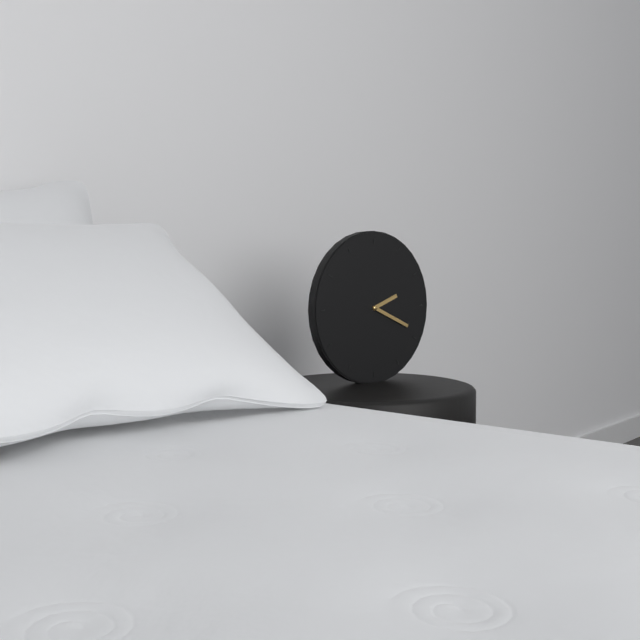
2.19
